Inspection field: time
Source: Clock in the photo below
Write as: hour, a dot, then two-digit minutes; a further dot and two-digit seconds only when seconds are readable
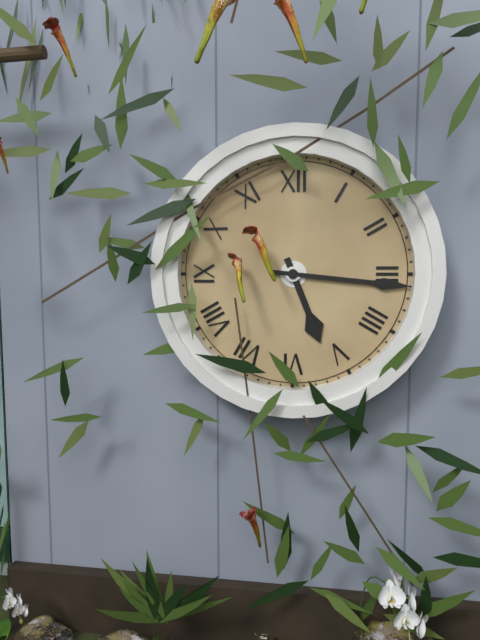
5.16
